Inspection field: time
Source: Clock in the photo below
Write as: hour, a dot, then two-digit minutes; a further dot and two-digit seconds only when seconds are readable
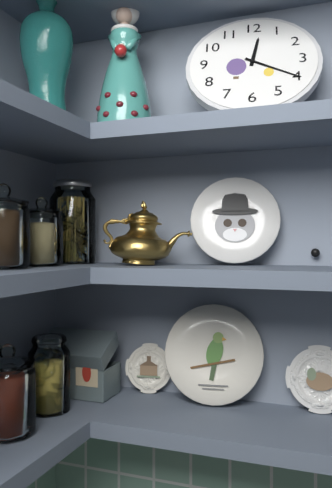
12.20
